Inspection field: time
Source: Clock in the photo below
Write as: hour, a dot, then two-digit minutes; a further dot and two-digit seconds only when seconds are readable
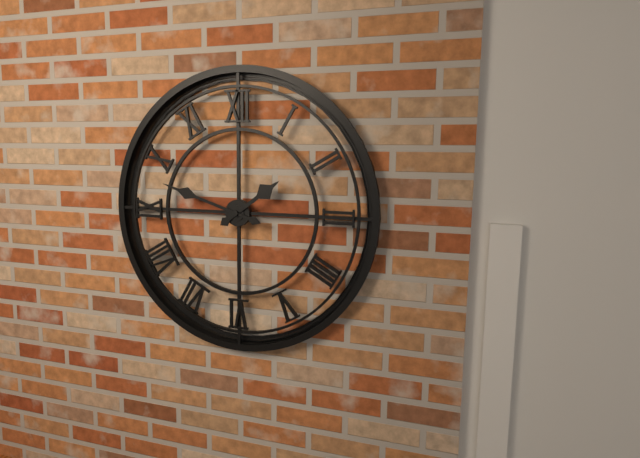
1.48
